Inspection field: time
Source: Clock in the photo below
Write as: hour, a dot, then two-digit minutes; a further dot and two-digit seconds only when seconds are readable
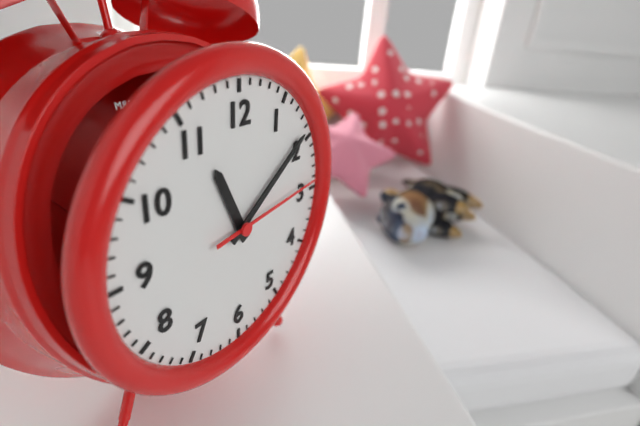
11.09.14
